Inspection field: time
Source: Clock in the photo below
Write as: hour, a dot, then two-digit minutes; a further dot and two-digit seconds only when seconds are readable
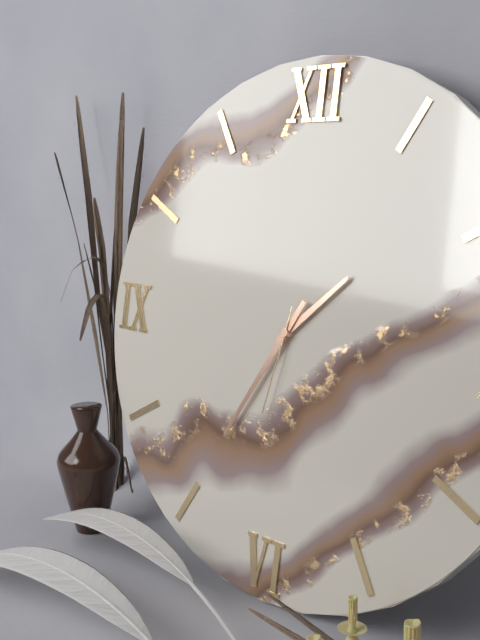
1.35.32
